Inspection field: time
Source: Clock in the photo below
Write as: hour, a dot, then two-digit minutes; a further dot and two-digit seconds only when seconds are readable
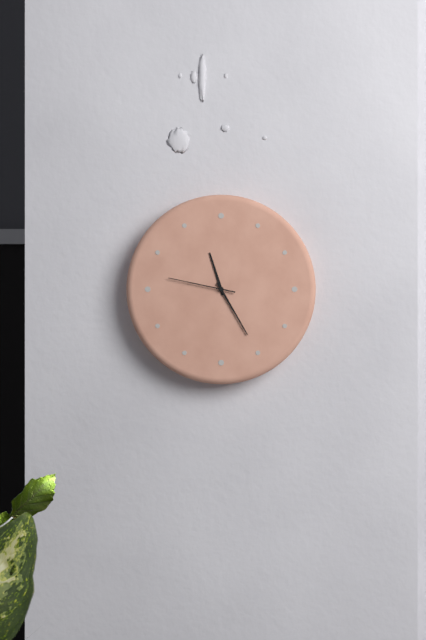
11.25.47
